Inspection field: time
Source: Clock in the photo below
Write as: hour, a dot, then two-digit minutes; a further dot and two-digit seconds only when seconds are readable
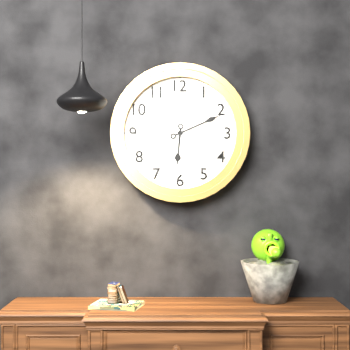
6.11
